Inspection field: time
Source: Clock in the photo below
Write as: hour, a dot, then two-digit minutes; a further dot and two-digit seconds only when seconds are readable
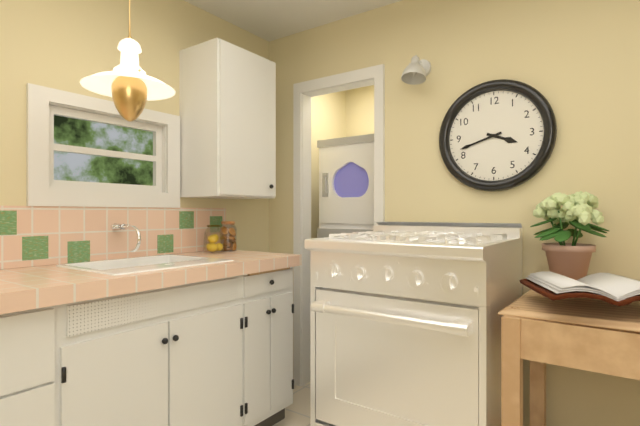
3.42
